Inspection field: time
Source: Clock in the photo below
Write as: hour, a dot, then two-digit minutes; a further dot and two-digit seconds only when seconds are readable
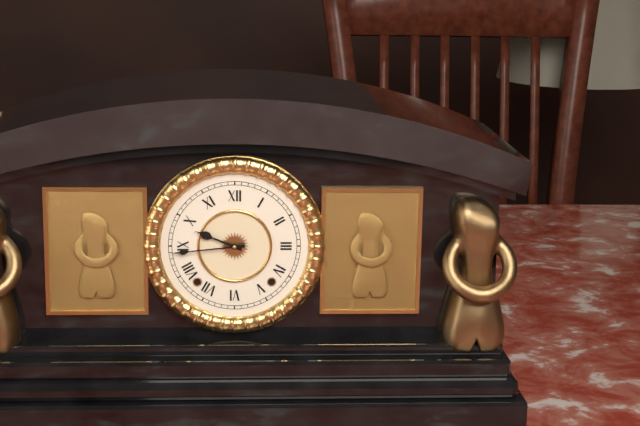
9.44
